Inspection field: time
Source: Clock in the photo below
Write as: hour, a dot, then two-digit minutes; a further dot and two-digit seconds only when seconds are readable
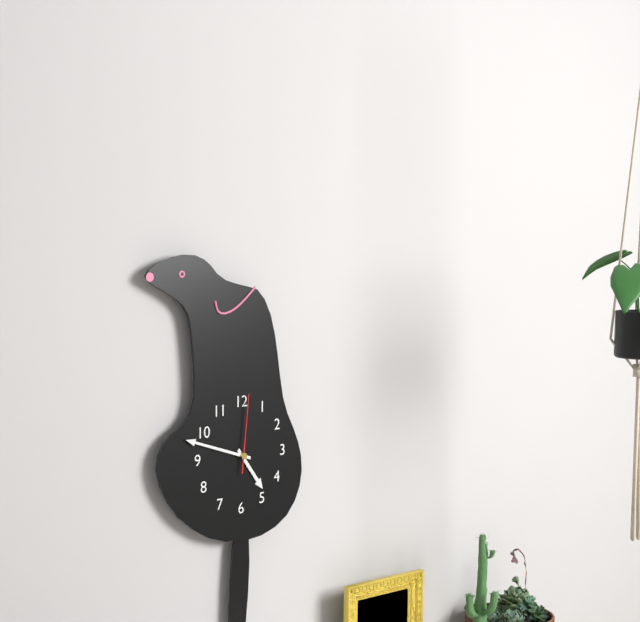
4.48.01
